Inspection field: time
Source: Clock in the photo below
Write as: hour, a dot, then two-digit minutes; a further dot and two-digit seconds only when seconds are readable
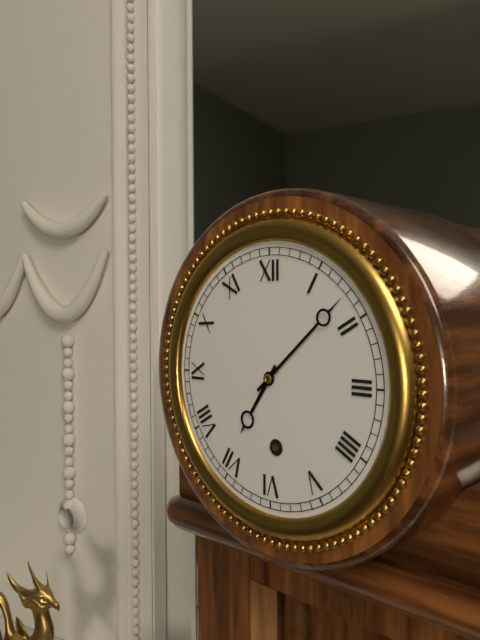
7.08
